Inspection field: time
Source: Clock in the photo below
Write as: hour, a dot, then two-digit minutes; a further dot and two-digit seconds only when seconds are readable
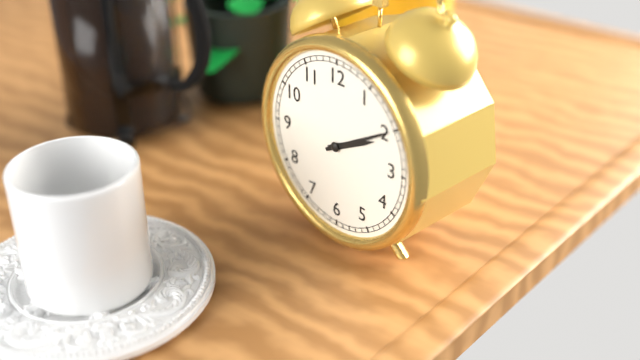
2.10
